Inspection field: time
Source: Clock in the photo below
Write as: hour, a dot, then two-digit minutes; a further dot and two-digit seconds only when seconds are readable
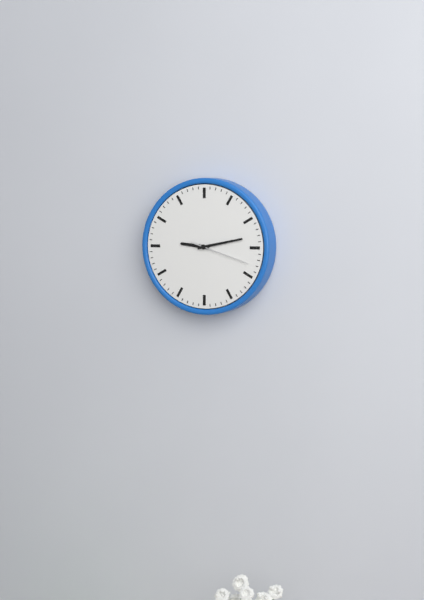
9.13.18
